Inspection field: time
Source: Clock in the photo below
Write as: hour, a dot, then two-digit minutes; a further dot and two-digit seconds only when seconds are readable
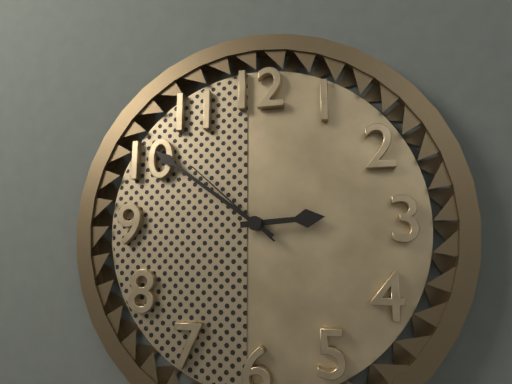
2.51.52
